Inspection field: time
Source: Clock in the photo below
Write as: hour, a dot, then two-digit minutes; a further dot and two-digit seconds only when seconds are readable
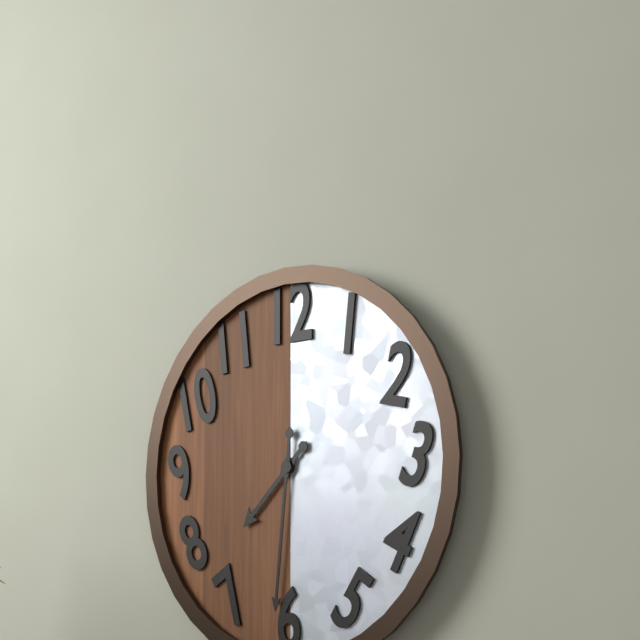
7.31
